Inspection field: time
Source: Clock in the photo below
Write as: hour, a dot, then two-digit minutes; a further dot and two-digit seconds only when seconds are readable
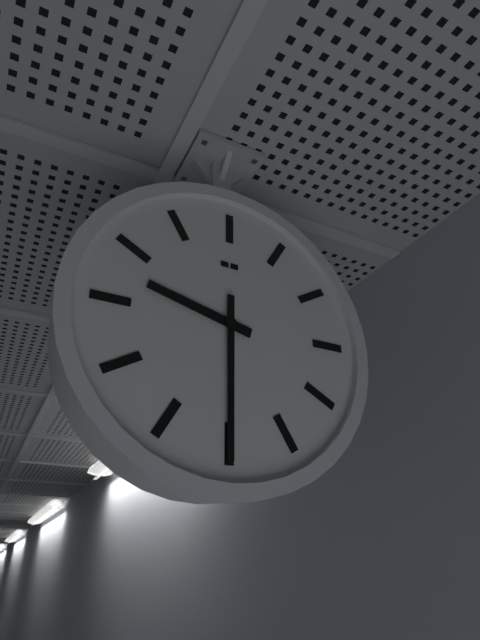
9.30
